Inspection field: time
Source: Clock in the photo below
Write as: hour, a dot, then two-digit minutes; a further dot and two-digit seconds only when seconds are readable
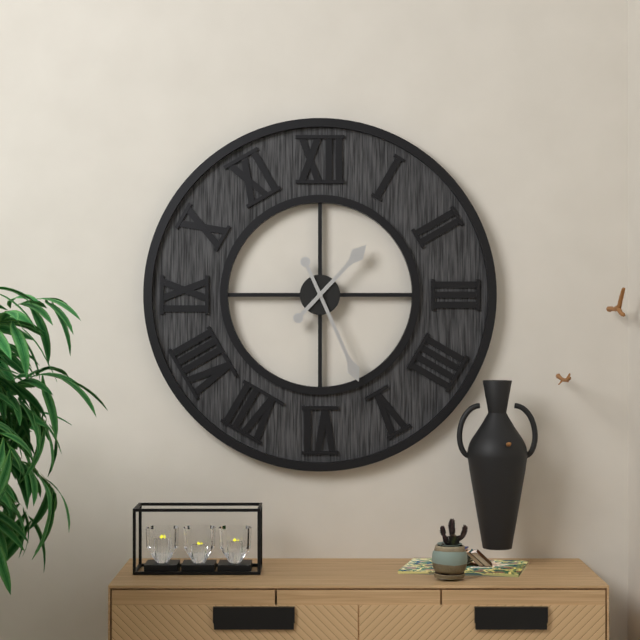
1.26
